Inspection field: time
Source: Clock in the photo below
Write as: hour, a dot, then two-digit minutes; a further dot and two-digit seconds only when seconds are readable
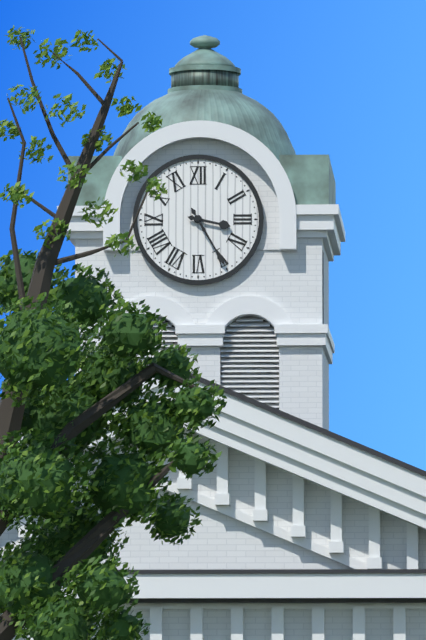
3.25
